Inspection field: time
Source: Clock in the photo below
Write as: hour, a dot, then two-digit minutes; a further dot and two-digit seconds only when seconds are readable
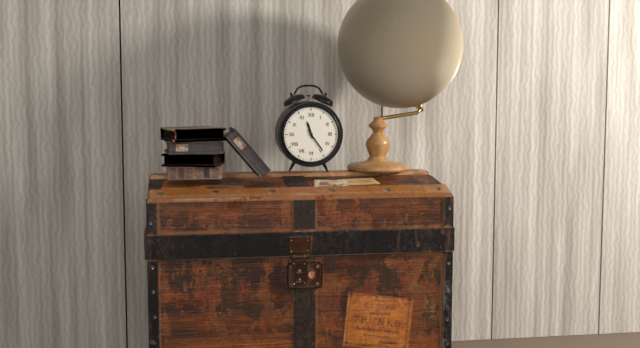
11.24
